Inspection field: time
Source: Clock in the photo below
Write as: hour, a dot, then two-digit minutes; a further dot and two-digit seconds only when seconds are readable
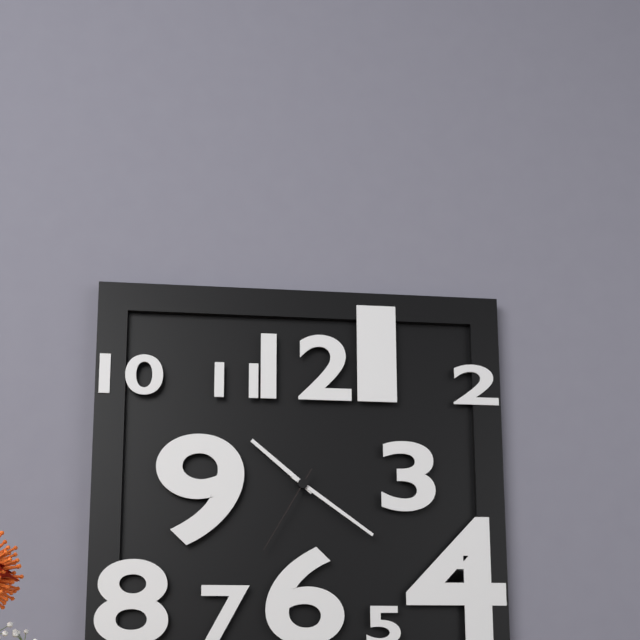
10.21.35
